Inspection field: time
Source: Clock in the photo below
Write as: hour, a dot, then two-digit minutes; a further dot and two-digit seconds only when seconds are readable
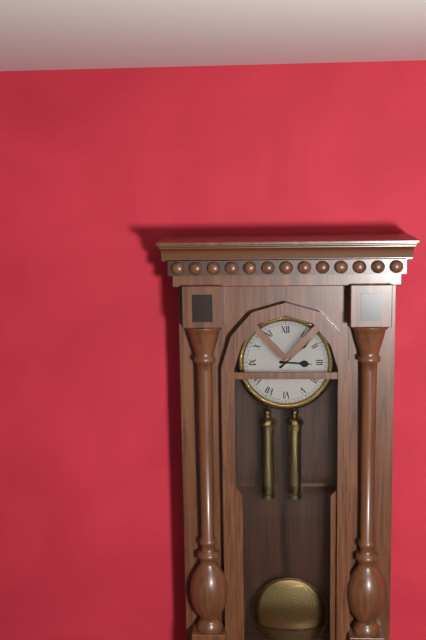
3.08
